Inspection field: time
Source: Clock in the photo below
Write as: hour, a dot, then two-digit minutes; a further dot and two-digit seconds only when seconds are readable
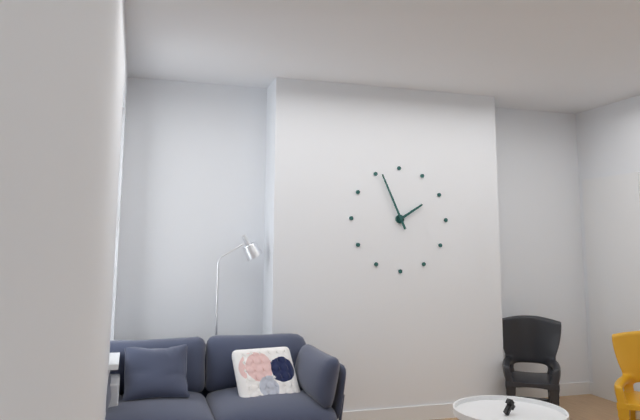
1.56
